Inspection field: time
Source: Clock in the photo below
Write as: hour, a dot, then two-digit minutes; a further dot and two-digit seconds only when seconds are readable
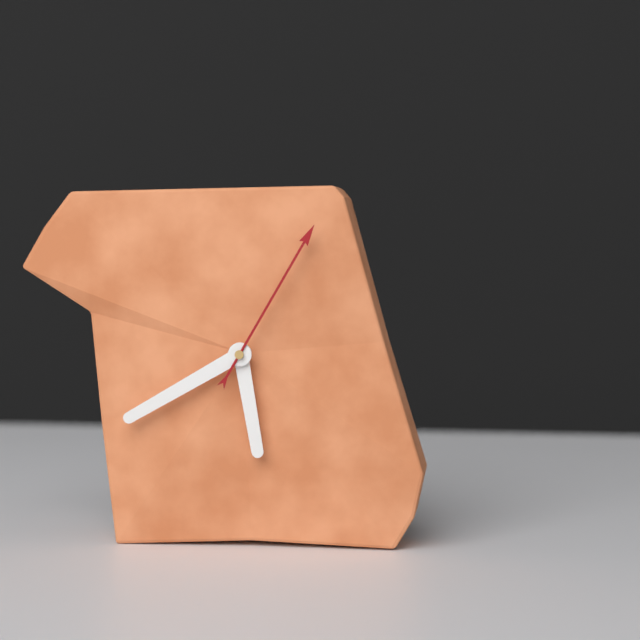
5.40.05
